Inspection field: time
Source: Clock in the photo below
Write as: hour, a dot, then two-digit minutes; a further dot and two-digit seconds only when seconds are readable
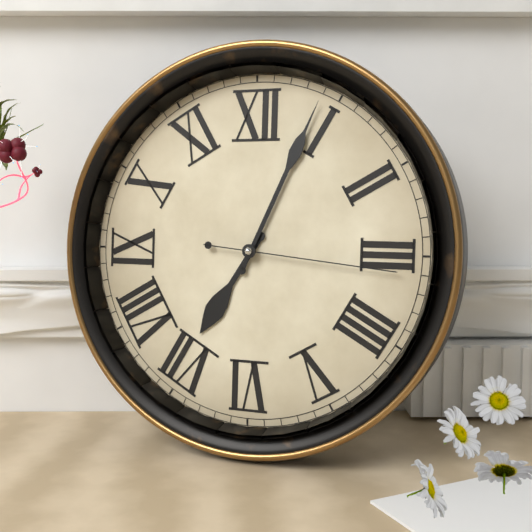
7.04.16
